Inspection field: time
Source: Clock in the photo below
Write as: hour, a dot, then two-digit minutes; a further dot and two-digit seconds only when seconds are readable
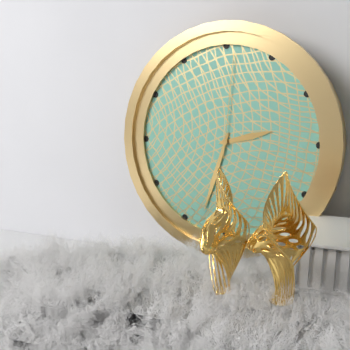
2.33.01
